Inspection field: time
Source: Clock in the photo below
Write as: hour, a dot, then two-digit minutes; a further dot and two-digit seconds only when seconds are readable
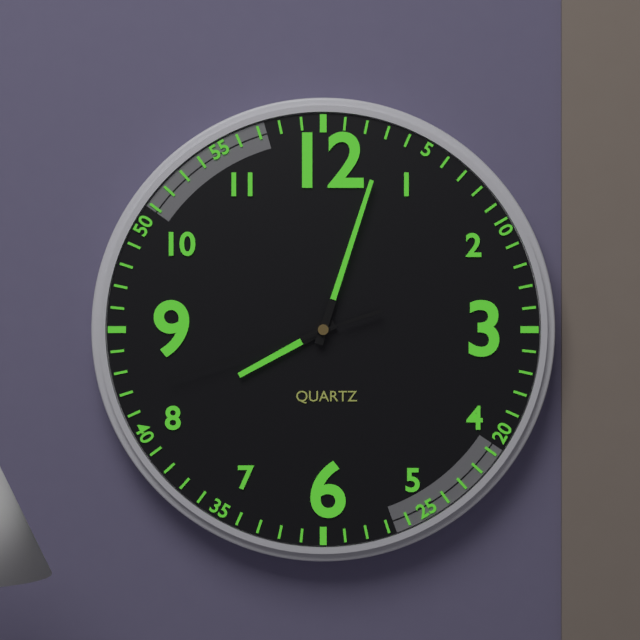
8.03.42
